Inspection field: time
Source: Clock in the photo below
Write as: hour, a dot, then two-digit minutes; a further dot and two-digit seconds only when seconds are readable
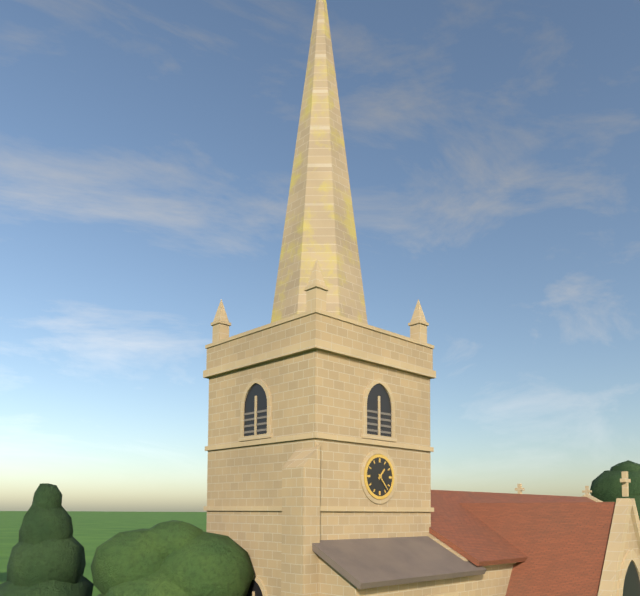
1.23
